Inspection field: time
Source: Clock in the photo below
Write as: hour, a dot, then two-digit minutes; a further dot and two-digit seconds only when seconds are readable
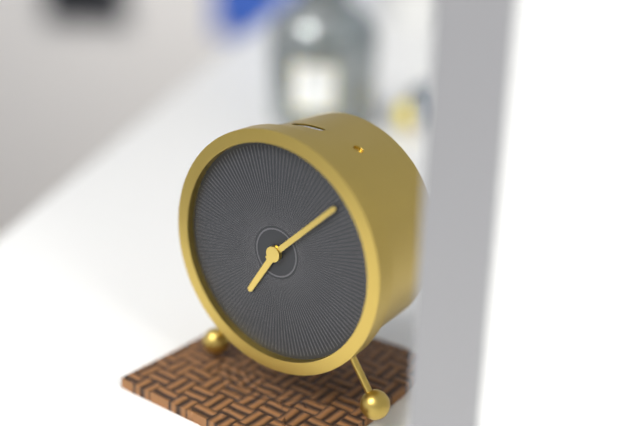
7.08
